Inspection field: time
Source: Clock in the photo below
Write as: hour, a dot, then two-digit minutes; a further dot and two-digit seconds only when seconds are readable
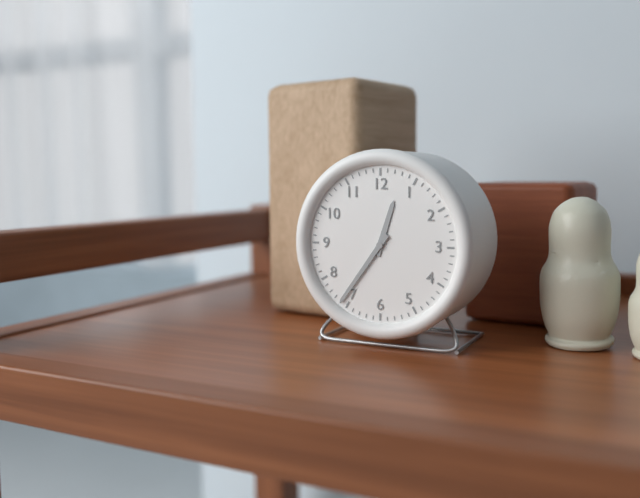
12.36
